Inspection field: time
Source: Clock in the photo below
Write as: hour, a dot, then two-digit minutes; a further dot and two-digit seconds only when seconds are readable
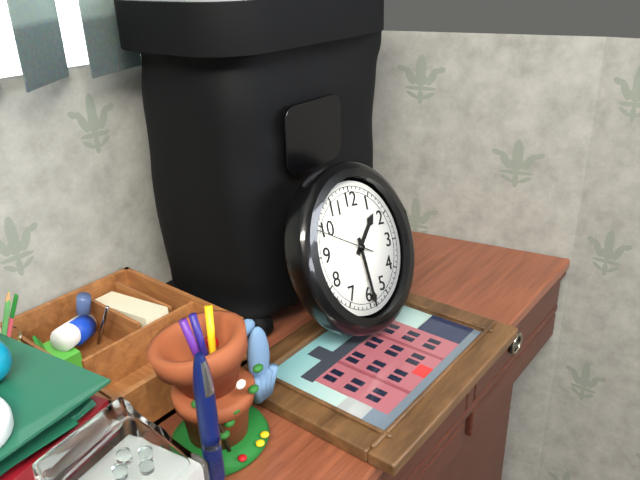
1.29.49
